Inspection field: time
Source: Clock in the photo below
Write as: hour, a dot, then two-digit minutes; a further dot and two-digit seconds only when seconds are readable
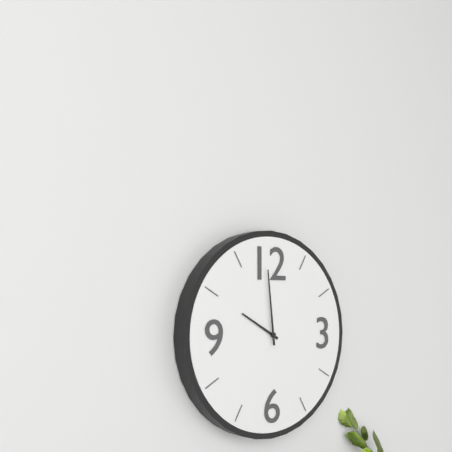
9.59
